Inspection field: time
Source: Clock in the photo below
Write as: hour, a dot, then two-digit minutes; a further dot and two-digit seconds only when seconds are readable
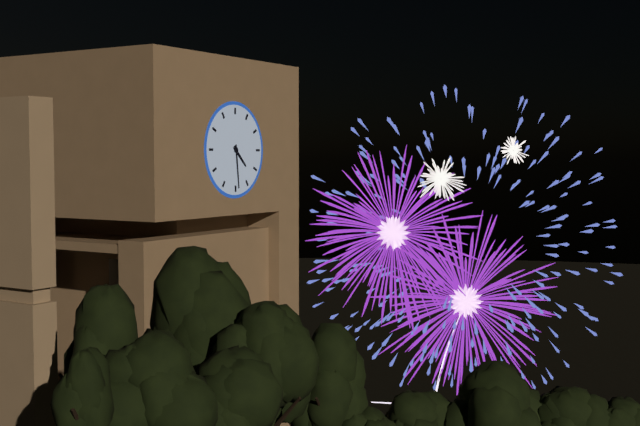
4.29
